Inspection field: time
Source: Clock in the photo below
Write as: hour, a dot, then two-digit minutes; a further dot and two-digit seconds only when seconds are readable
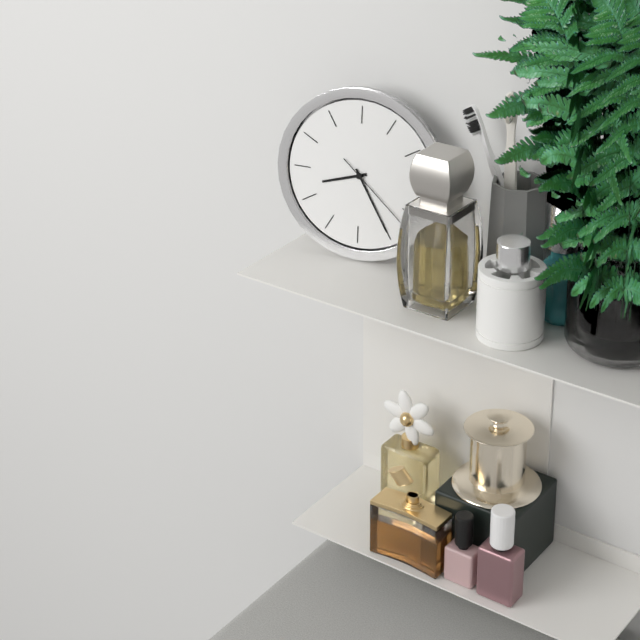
8.25.22
